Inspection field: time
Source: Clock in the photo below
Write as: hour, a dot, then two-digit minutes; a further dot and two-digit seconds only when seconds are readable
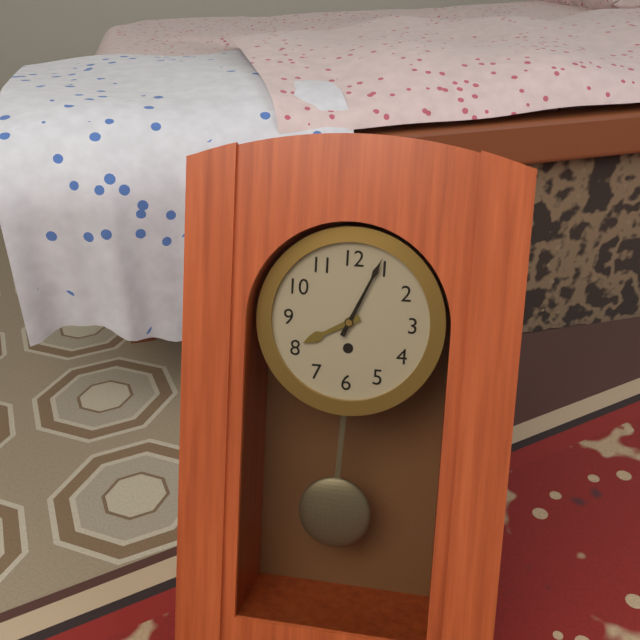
8.04
